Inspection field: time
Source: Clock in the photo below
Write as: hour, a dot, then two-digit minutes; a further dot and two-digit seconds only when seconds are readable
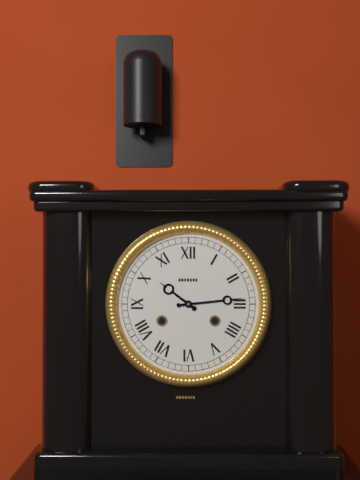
10.14
